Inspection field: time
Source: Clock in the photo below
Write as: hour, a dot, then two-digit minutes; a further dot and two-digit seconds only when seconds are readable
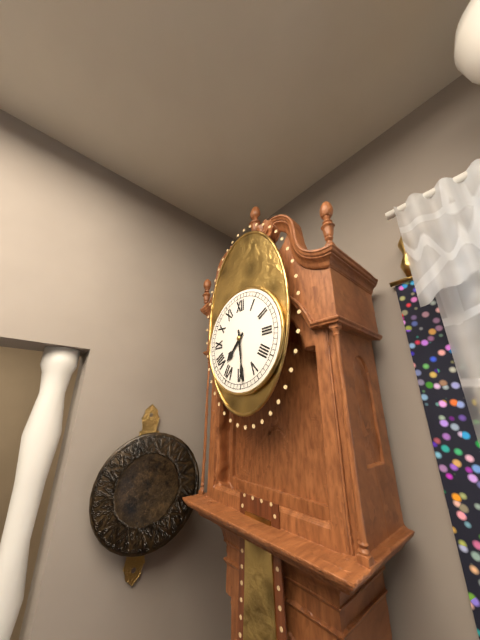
7.29
